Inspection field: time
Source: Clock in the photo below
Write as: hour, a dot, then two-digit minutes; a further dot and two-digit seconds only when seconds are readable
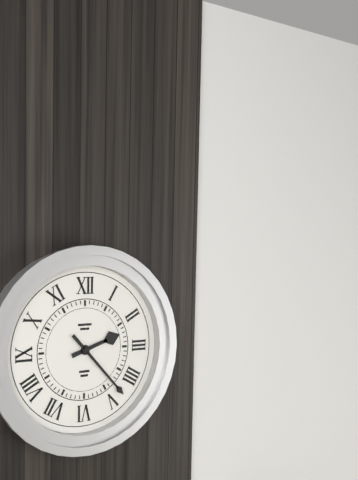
2.23
